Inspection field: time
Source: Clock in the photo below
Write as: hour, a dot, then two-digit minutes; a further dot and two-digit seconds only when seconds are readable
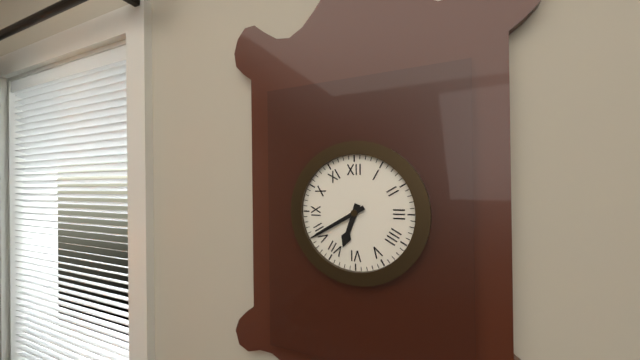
6.40
